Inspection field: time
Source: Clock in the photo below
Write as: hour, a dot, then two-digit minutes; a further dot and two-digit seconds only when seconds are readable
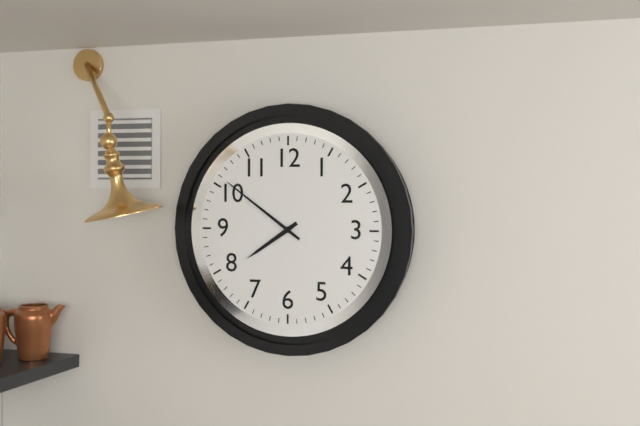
7.51
